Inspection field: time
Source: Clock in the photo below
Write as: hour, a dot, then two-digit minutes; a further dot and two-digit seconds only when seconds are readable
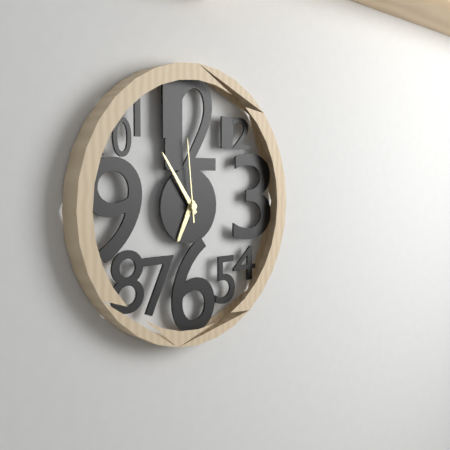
6.54.59
